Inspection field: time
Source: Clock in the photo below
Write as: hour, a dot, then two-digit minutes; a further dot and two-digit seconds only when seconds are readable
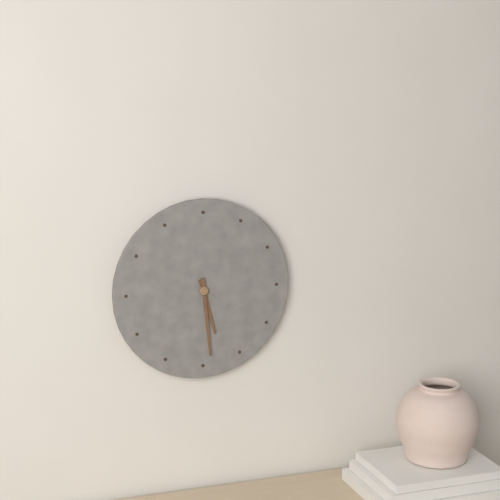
5.29
